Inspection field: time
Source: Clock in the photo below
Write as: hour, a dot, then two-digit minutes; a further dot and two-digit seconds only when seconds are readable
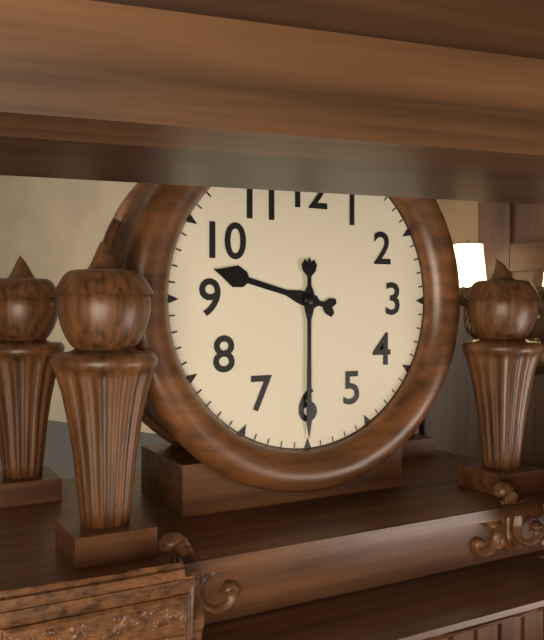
9.30
